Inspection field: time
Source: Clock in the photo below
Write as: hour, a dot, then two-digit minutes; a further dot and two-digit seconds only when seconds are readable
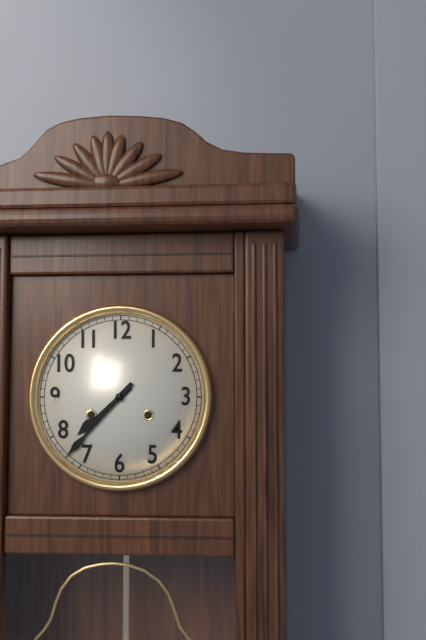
7.37
